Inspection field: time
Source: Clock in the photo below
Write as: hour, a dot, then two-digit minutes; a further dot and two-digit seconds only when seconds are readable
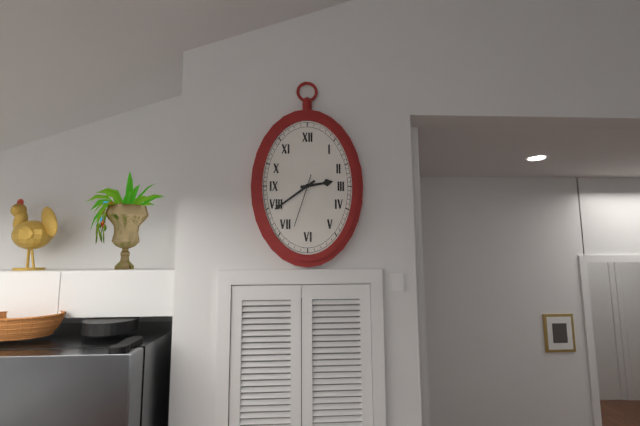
2.39.33
